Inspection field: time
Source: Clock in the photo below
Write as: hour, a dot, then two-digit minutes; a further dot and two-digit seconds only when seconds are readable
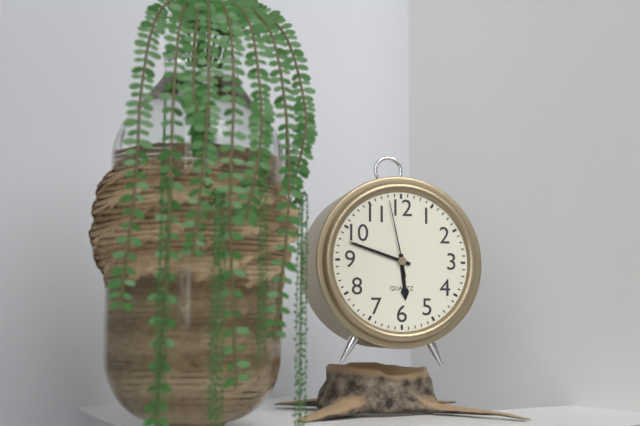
5.48.58
